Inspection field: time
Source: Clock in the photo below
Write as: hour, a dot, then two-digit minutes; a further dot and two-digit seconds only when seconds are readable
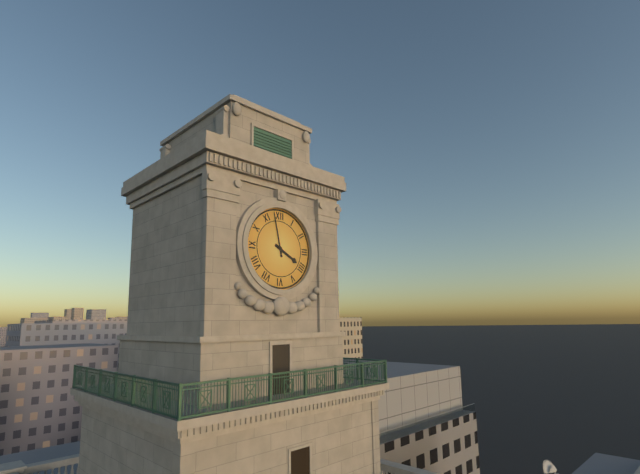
3.58
